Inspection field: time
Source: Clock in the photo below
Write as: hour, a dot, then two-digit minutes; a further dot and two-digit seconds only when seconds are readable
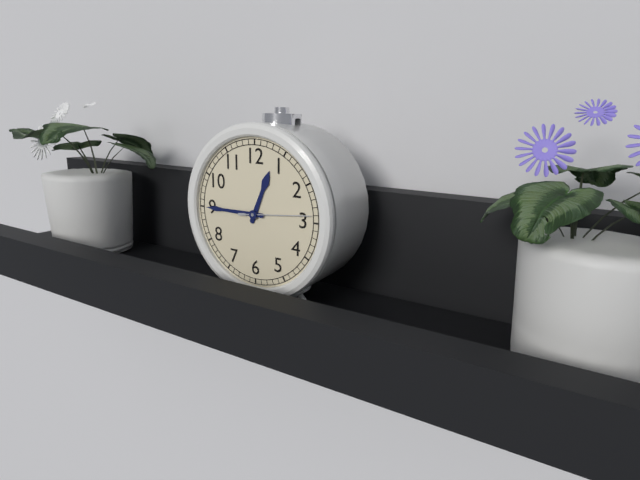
12.45.14
